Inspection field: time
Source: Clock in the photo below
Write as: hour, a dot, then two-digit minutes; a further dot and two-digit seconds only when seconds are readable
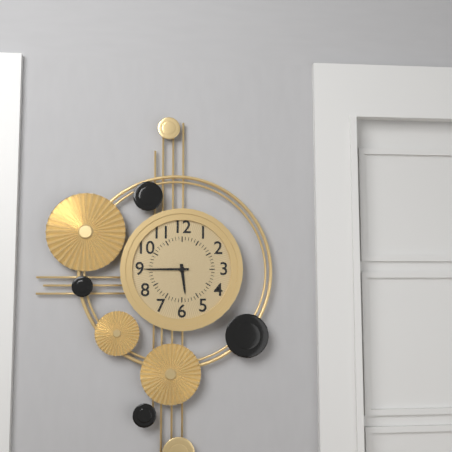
5.45
